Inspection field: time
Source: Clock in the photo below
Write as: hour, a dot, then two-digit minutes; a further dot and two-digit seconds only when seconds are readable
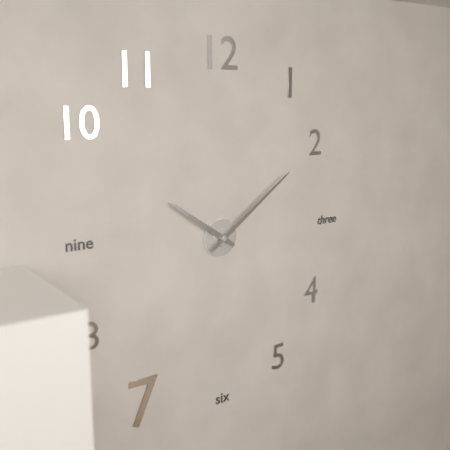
10.09
